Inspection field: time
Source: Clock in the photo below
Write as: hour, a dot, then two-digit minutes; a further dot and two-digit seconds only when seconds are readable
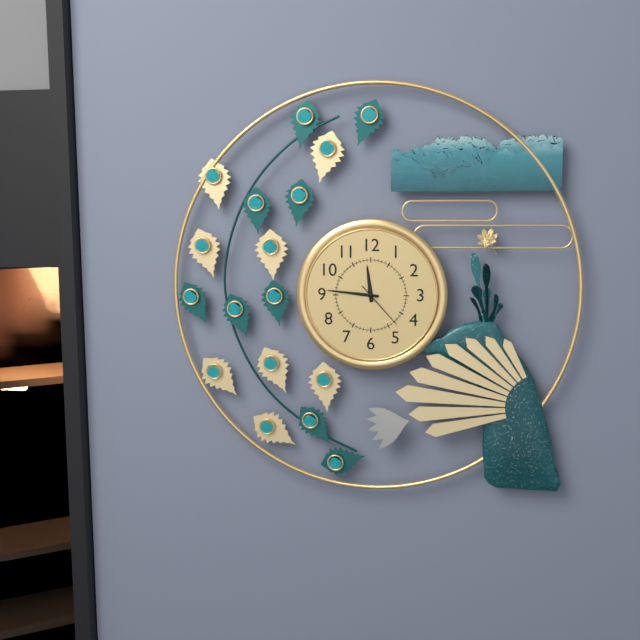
11.46.23
